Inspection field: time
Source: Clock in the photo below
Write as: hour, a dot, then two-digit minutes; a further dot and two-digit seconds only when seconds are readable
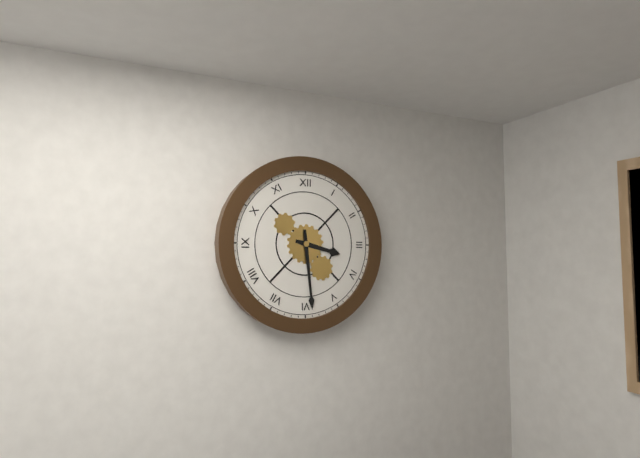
3.29
